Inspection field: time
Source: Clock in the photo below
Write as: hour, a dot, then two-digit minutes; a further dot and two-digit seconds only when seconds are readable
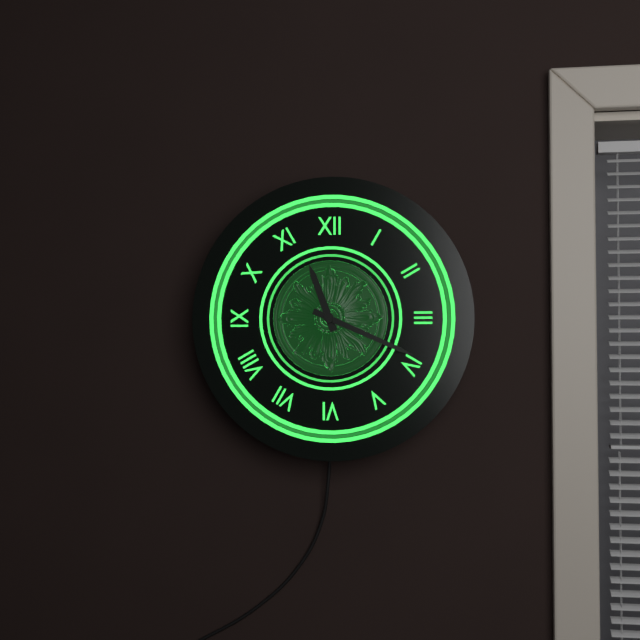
11.19
